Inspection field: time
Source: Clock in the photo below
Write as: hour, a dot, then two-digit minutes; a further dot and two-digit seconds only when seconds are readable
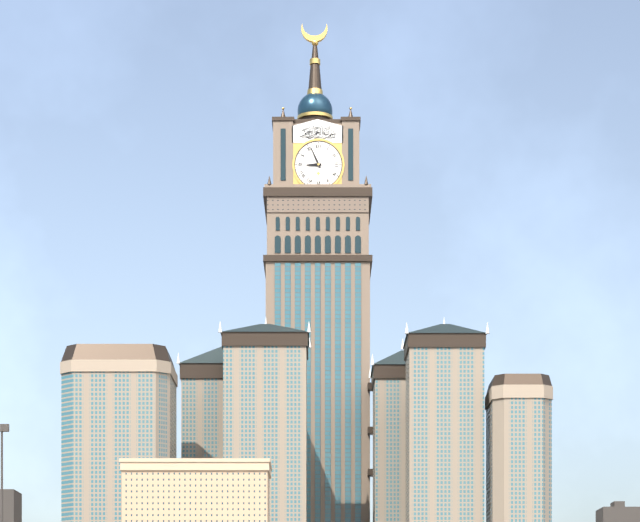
8.56
